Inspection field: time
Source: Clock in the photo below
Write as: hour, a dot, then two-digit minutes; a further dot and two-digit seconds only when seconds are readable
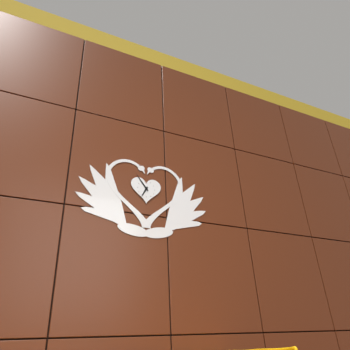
6.54
